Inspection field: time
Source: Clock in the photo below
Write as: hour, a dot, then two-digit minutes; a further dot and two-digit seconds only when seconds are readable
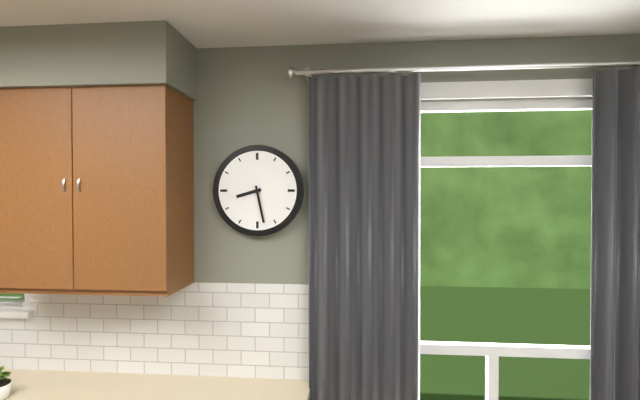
8.28
